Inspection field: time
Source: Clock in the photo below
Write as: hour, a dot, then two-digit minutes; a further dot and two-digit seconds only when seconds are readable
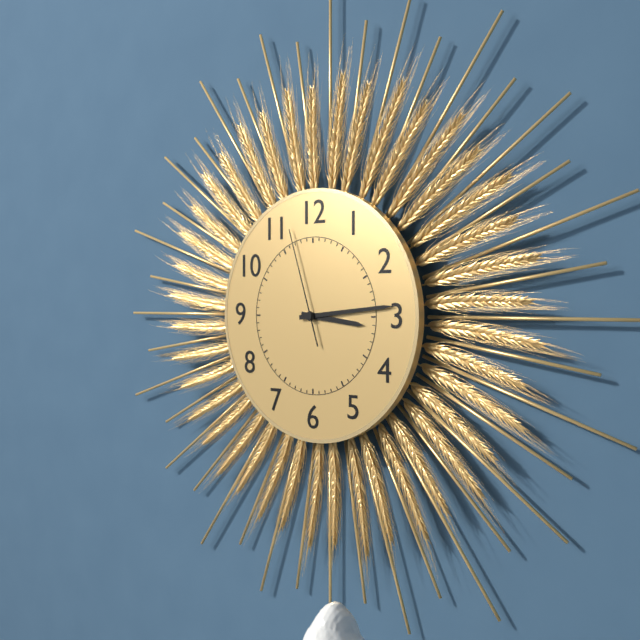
3.14.57
